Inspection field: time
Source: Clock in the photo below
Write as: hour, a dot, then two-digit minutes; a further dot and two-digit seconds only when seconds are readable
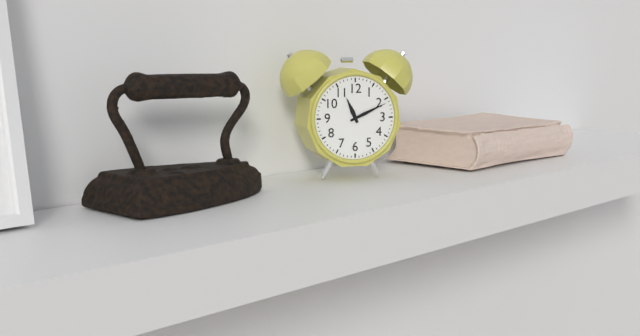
11.11
